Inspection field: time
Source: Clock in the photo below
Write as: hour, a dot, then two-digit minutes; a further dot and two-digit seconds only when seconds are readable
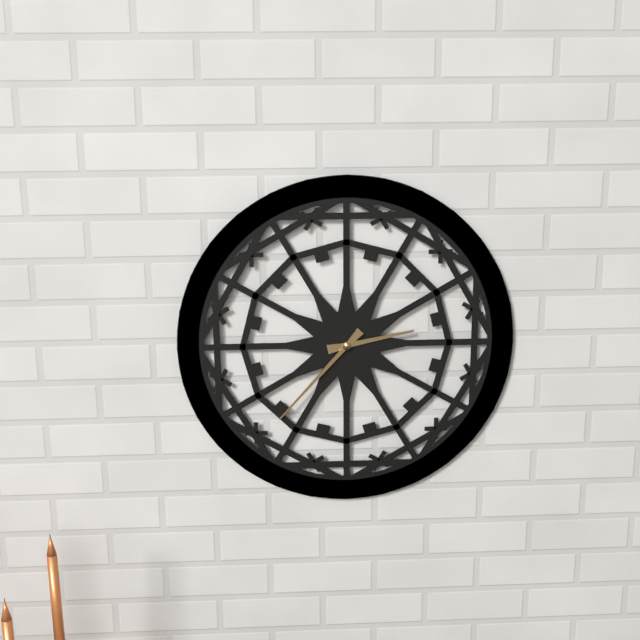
2.37
